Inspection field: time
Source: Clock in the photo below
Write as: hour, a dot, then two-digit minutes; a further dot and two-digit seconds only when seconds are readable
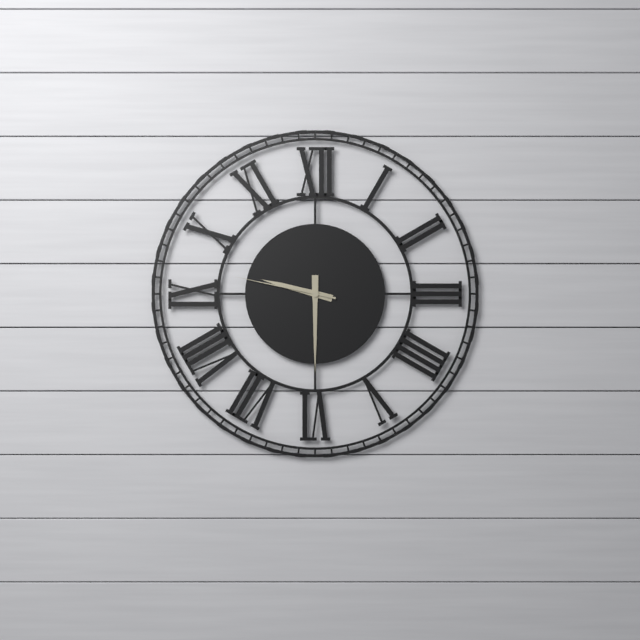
9.30.47
